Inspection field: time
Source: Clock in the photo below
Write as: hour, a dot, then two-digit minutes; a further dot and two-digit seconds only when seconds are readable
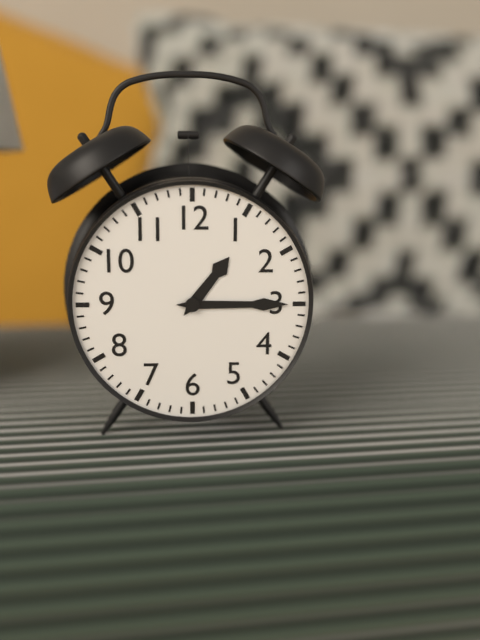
1.15
